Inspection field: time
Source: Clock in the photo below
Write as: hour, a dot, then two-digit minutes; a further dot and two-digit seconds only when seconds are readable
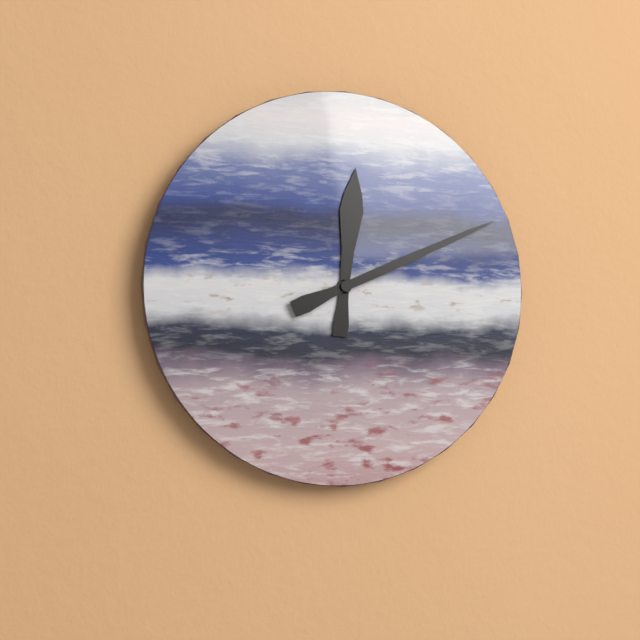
12.11
